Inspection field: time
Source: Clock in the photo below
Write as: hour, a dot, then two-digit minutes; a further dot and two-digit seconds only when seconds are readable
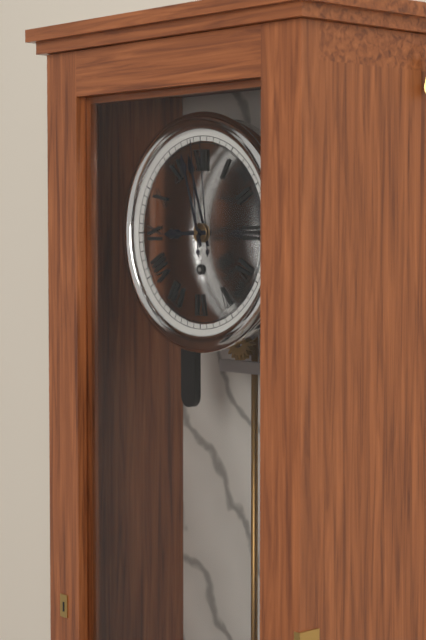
8.57.59
